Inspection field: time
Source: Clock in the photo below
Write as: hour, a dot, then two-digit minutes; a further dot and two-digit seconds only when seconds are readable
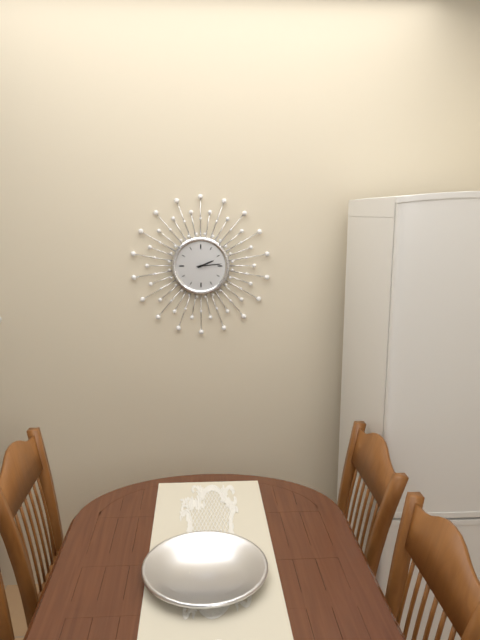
2.14
